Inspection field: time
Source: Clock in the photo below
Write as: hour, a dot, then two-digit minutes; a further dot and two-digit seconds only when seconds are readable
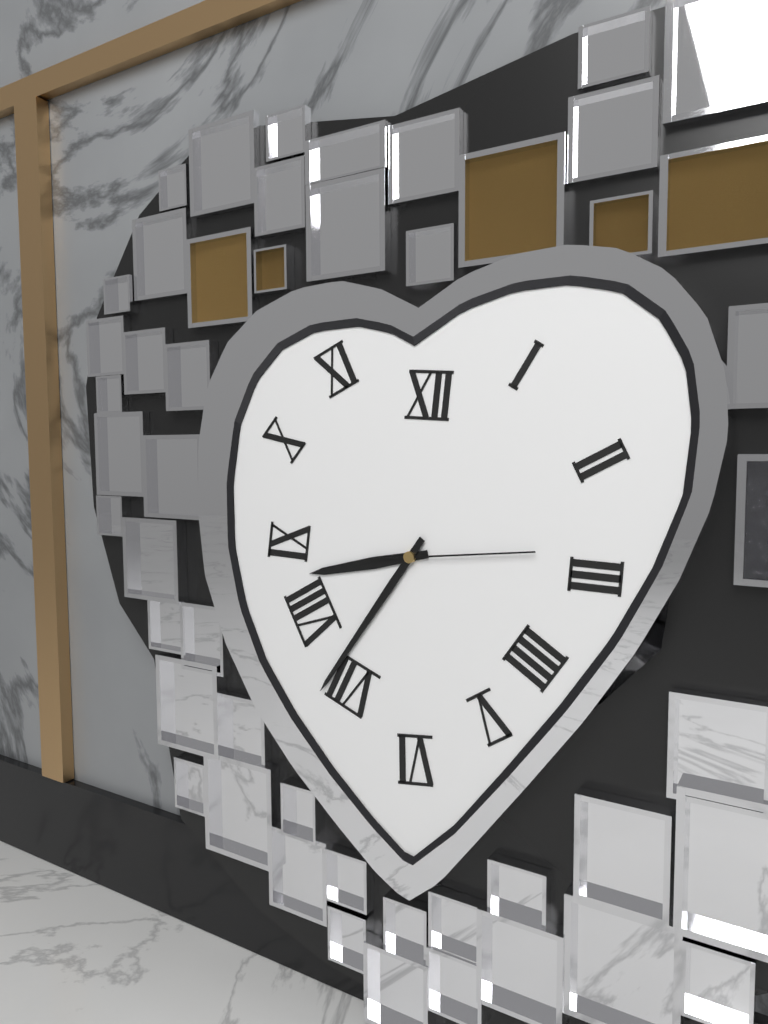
8.36.14
